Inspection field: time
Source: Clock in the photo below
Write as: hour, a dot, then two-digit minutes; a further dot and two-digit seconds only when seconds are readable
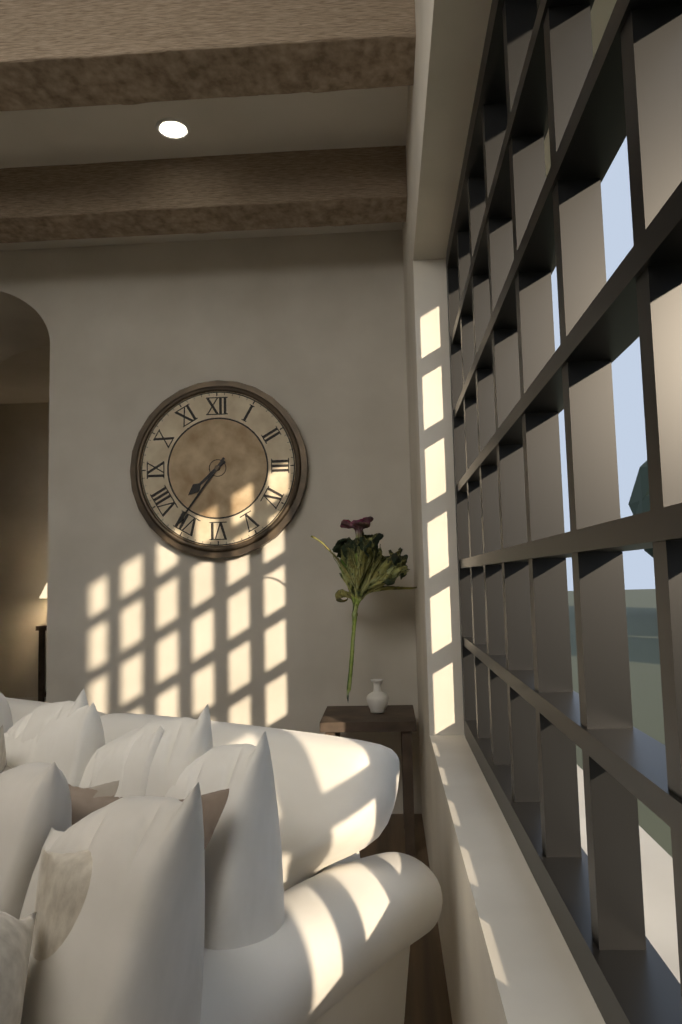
7.36
